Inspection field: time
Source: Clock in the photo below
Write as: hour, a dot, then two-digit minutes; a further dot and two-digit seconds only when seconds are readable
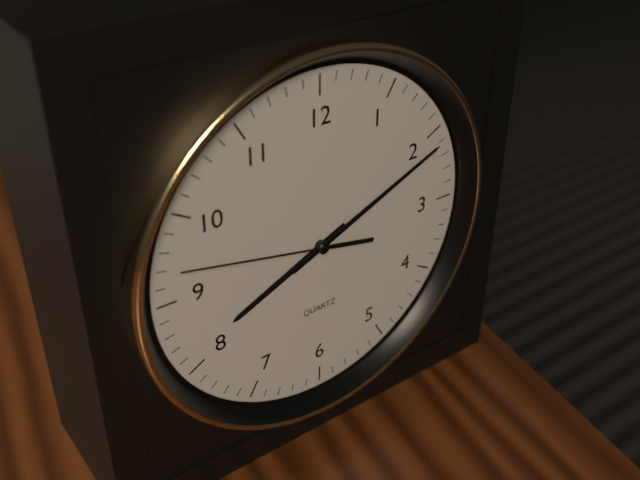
8.11.47
